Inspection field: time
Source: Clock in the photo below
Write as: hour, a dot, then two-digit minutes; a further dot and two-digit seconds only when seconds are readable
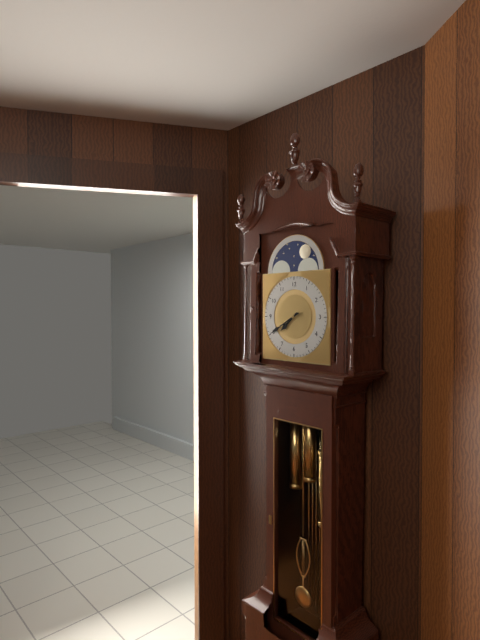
7.40
